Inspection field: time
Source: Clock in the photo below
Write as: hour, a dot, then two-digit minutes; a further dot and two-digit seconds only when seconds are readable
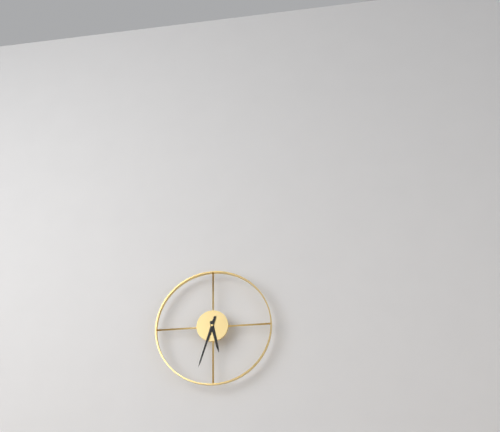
5.33
